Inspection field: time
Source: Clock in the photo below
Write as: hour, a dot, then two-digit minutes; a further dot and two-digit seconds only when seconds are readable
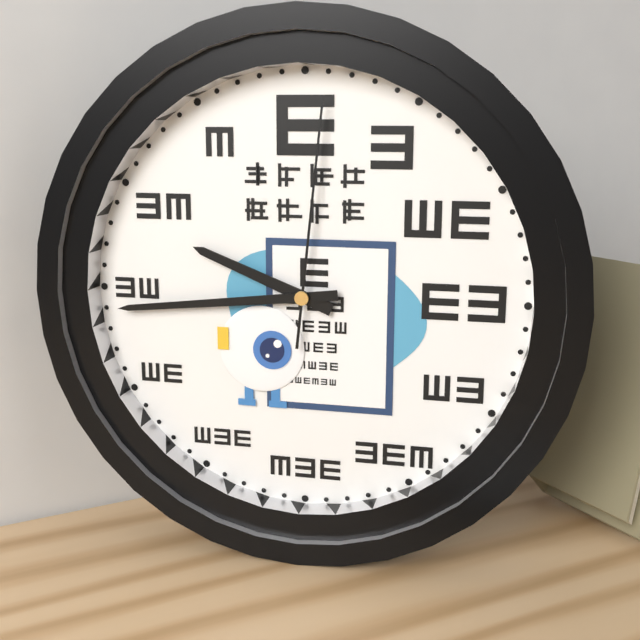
9.44.01
